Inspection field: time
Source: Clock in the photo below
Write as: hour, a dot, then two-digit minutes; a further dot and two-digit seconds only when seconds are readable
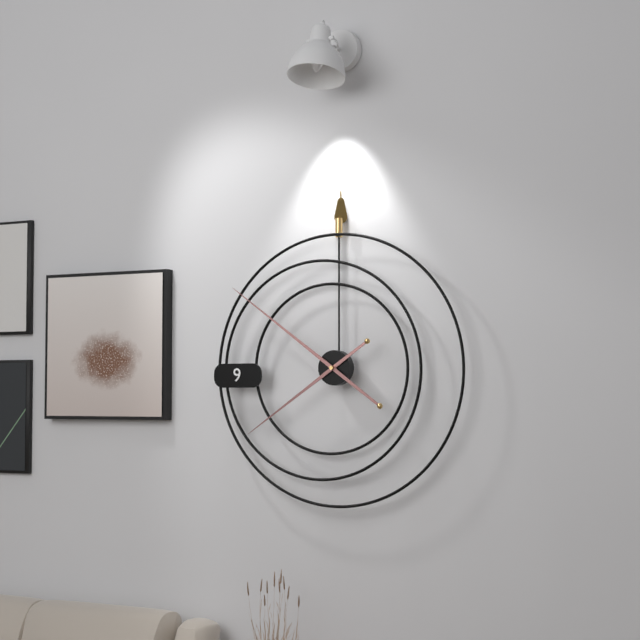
7.51
